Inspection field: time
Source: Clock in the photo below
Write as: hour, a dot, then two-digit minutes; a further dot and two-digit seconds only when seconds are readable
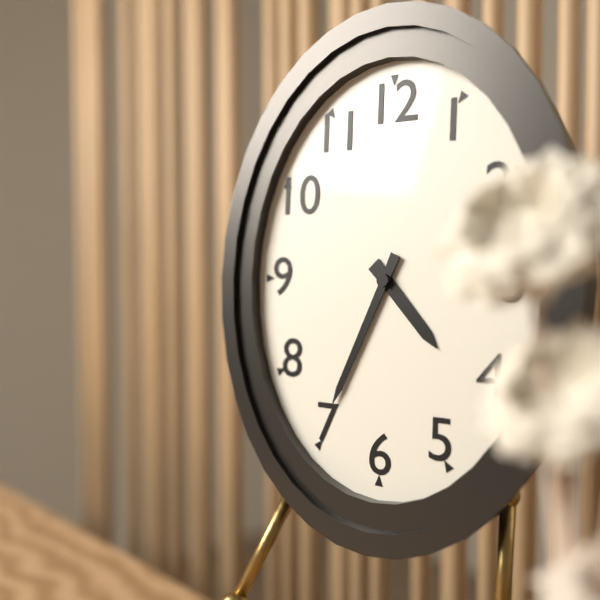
4.34
